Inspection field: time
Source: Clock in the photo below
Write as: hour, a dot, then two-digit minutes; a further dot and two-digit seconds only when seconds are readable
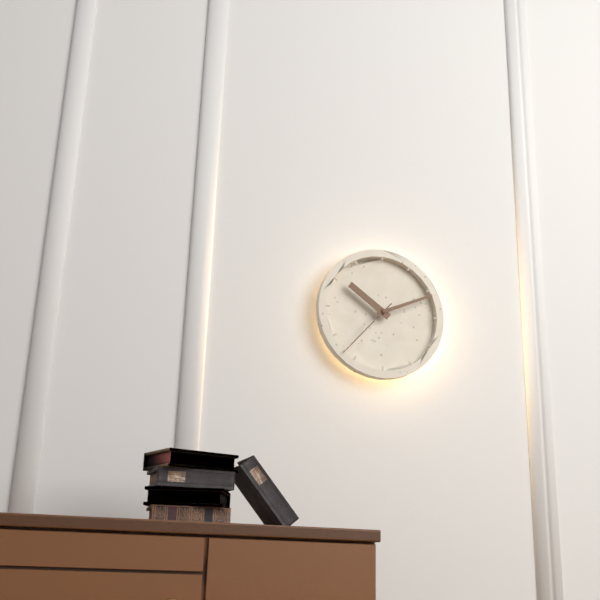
10.11.37
